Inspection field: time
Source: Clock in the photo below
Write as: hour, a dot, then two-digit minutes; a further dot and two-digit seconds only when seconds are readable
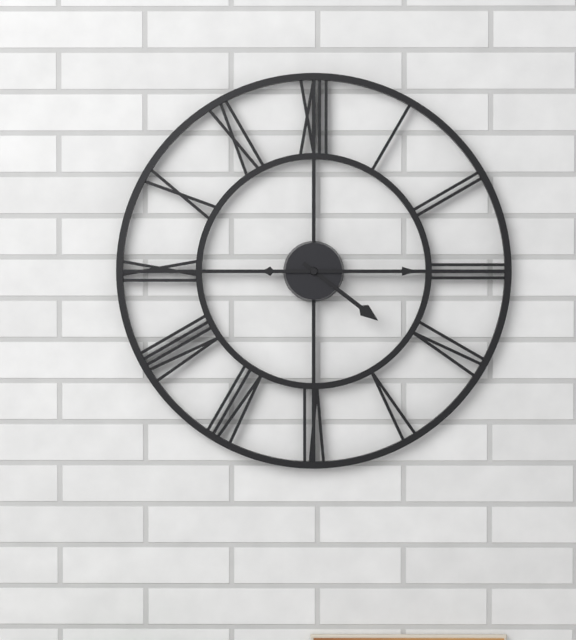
4.15
